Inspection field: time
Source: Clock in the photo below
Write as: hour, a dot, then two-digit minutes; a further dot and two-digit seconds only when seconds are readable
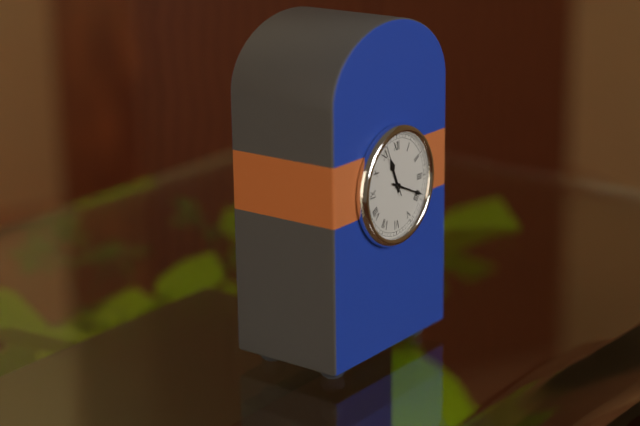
11.19.56
